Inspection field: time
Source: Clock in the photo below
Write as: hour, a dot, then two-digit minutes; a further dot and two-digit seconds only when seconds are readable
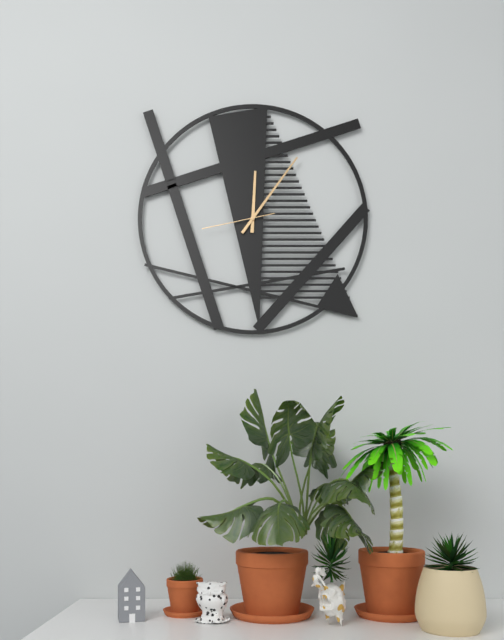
12.06.43
